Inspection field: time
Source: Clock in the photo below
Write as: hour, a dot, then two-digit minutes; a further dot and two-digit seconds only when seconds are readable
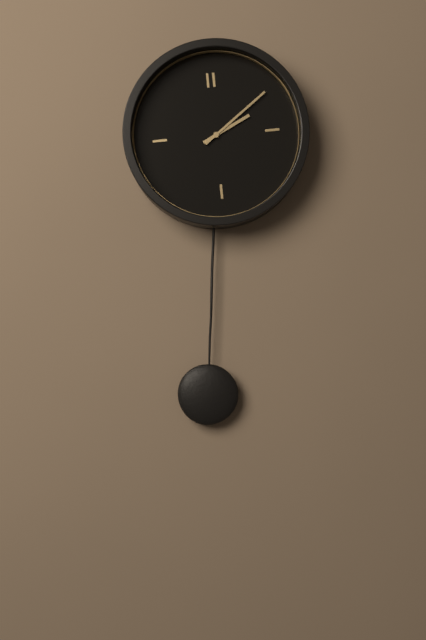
2.09
